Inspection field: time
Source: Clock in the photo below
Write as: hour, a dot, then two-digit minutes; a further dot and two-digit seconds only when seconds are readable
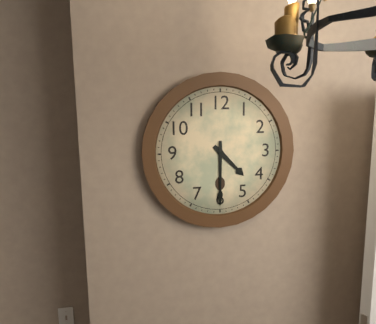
4.30
